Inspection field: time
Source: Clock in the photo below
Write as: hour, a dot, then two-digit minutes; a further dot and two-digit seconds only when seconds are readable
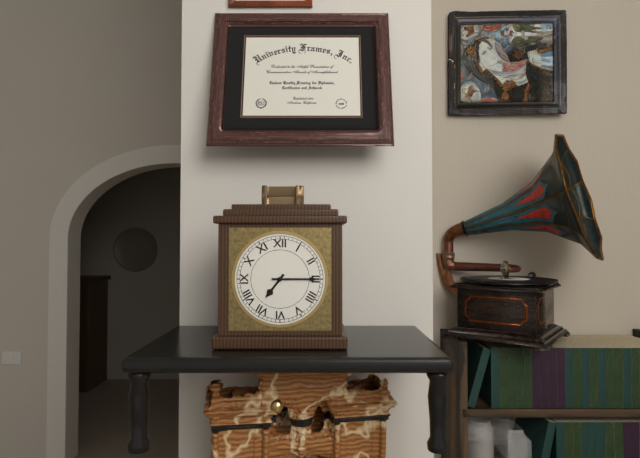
7.15
